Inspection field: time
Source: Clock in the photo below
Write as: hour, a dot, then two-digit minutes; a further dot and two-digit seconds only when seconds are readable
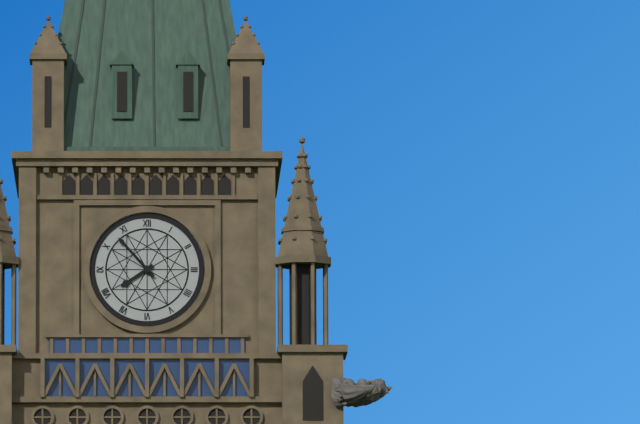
7.53
